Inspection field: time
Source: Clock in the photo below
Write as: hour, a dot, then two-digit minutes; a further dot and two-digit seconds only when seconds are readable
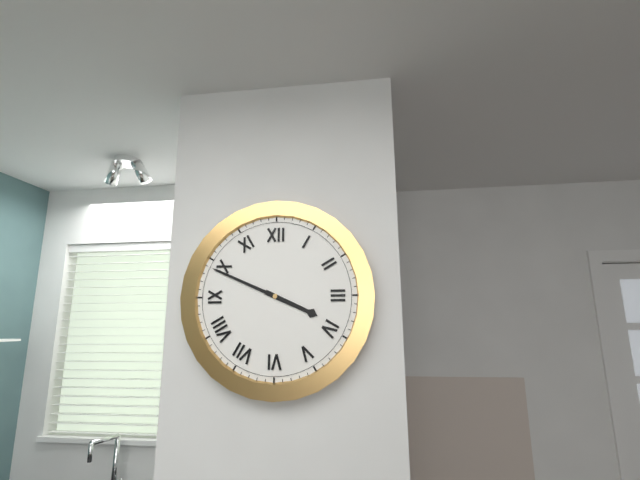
3.49
